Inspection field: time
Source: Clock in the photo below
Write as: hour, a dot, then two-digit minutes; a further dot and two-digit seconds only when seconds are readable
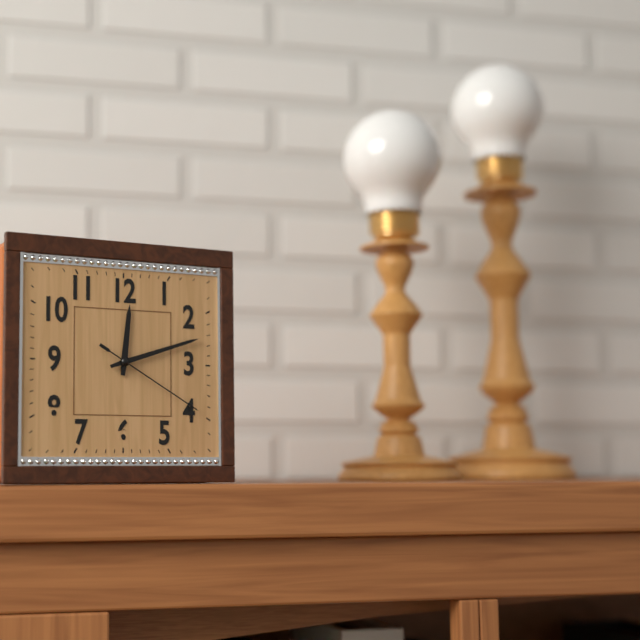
12.12.20
